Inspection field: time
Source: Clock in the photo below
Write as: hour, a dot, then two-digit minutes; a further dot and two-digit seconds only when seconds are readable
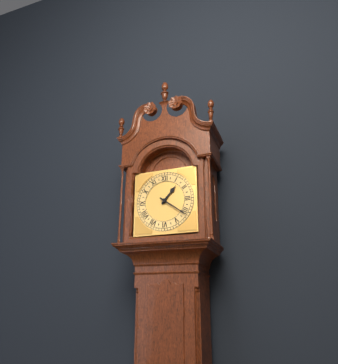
1.21
